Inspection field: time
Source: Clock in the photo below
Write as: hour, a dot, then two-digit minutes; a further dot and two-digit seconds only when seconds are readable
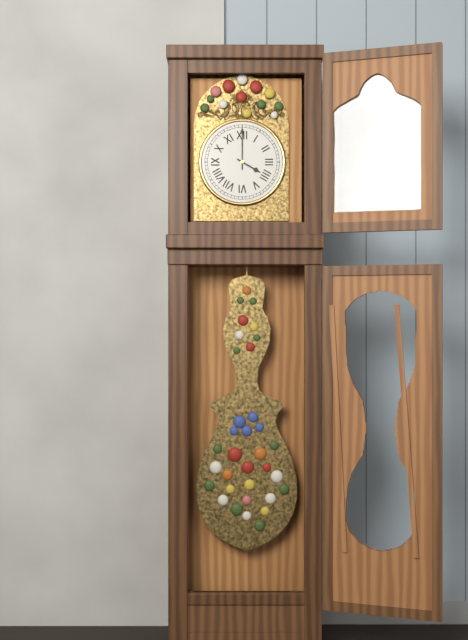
4.00
